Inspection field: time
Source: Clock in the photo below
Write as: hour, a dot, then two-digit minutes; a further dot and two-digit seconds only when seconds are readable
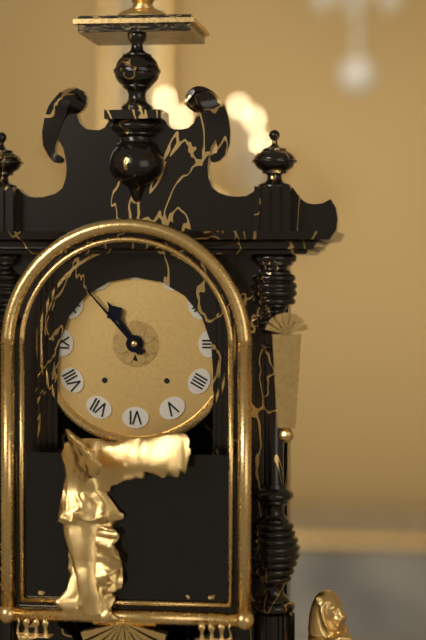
10.53
